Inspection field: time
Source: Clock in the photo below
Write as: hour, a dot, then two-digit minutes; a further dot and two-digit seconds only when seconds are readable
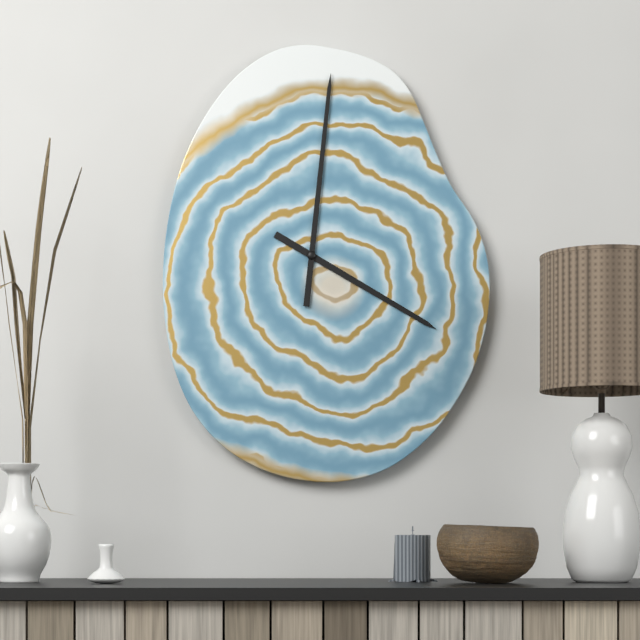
4.01
